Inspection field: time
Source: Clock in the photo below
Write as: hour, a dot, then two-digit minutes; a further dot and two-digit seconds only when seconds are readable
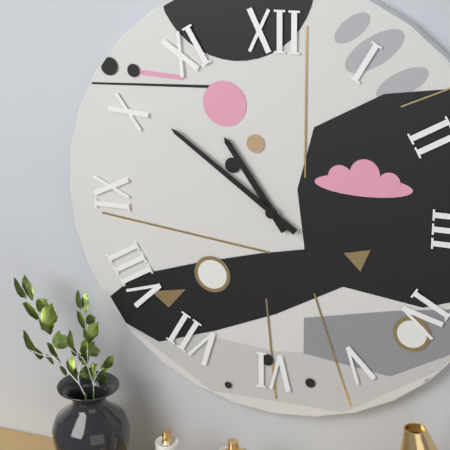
10.51
